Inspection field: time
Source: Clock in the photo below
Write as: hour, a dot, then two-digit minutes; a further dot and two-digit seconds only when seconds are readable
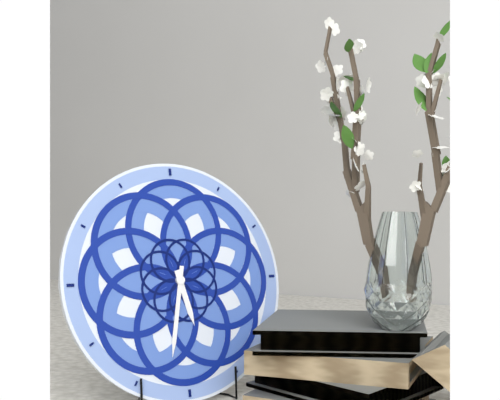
5.32
